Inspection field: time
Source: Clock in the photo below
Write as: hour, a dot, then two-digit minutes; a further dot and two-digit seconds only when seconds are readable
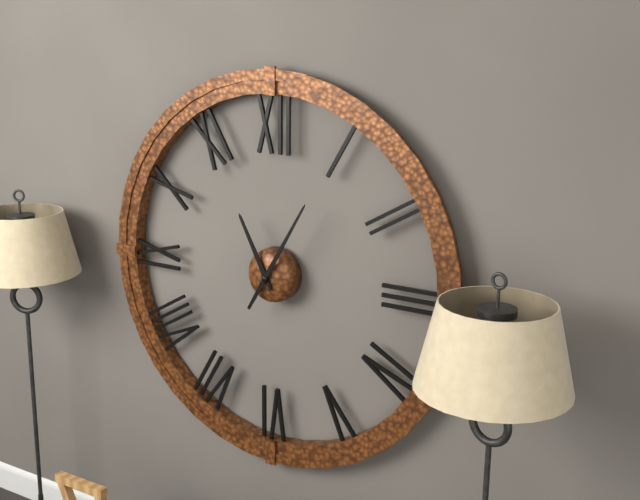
11.05
